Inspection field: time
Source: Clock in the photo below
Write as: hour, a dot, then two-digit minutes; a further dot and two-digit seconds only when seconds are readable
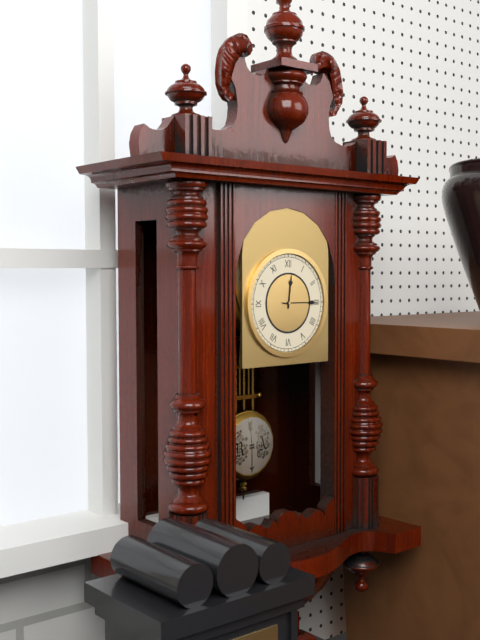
12.15
